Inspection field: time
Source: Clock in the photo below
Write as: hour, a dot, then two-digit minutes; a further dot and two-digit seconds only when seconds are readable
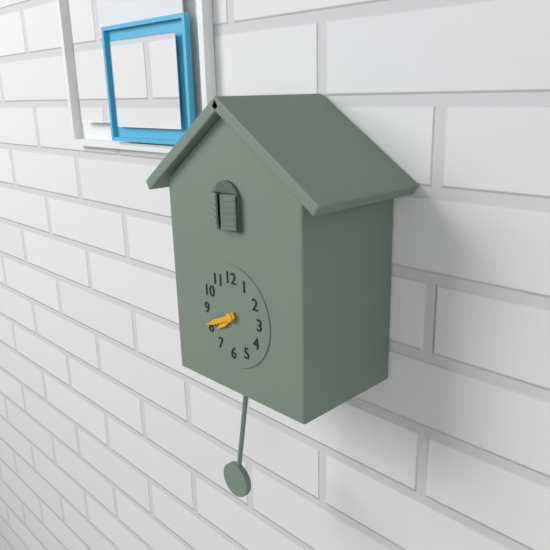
7.41
